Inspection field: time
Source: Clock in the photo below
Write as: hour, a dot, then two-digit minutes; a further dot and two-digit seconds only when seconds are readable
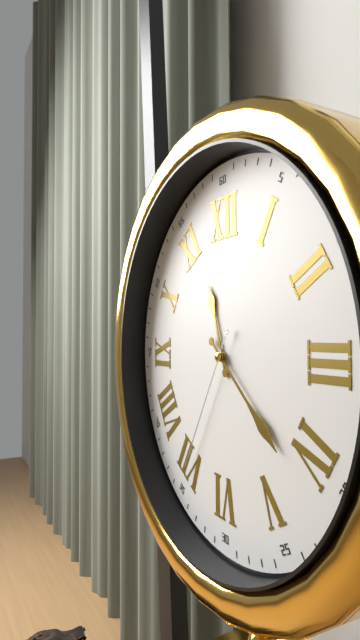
11.22.35
